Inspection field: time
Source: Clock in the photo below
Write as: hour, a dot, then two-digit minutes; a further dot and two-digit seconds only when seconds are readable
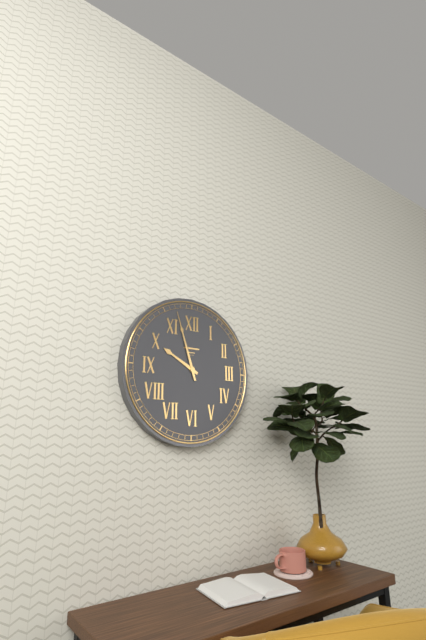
9.57
